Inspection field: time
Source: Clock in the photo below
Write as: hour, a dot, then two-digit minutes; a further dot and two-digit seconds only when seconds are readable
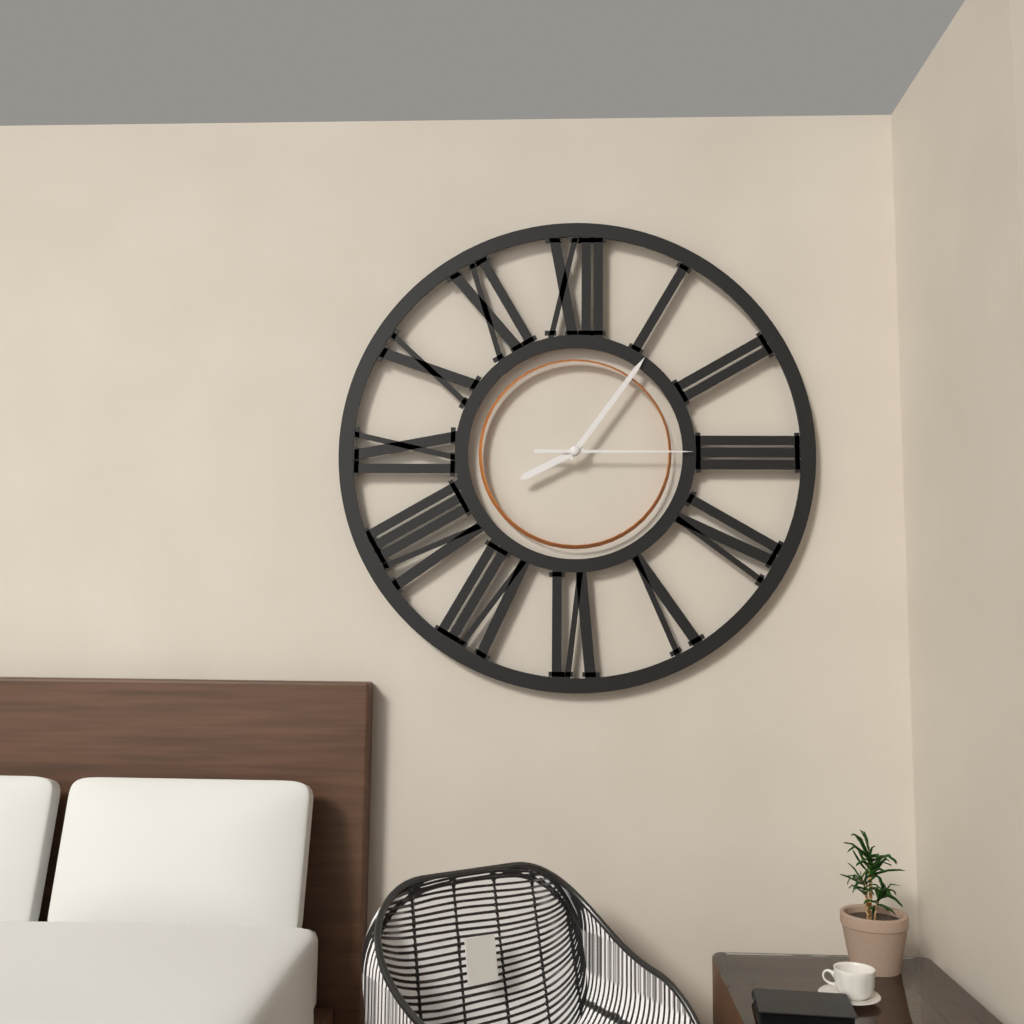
8.06.15
